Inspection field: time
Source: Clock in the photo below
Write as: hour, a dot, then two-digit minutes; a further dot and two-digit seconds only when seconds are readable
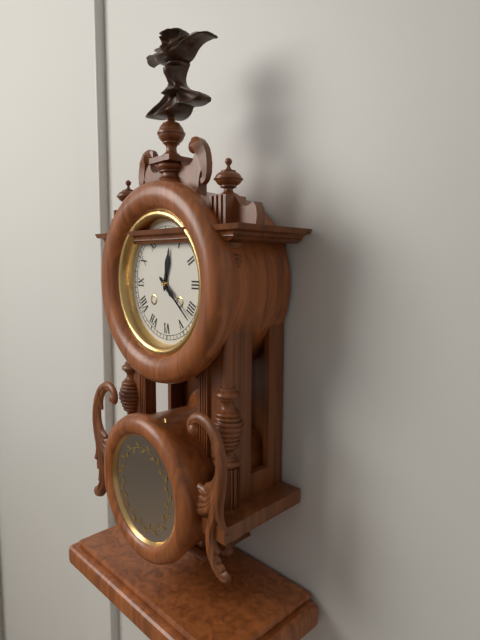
12.22
